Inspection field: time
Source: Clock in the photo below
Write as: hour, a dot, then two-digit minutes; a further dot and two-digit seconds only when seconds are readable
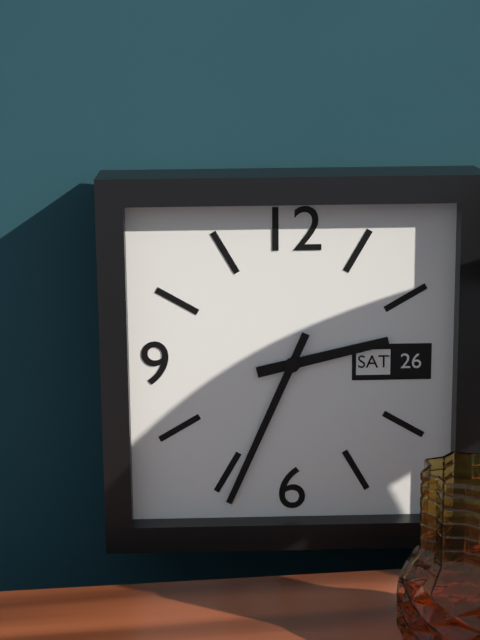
2.34
